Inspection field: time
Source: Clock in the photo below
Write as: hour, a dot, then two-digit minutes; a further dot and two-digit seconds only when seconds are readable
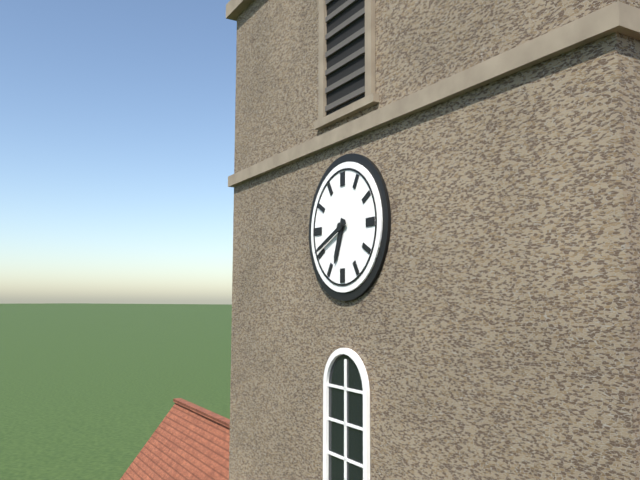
6.41
